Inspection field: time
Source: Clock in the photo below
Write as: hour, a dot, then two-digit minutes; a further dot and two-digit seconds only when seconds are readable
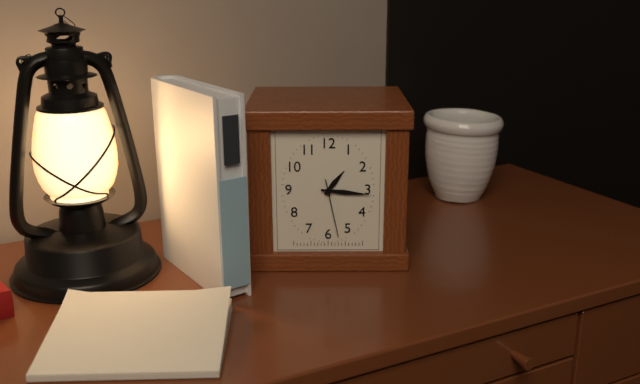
1.16.28
